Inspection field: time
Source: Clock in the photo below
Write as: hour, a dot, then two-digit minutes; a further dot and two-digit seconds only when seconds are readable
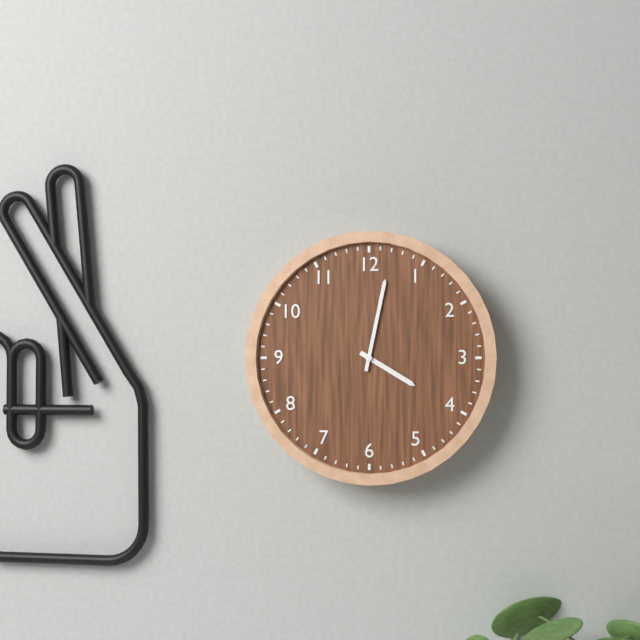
4.02
